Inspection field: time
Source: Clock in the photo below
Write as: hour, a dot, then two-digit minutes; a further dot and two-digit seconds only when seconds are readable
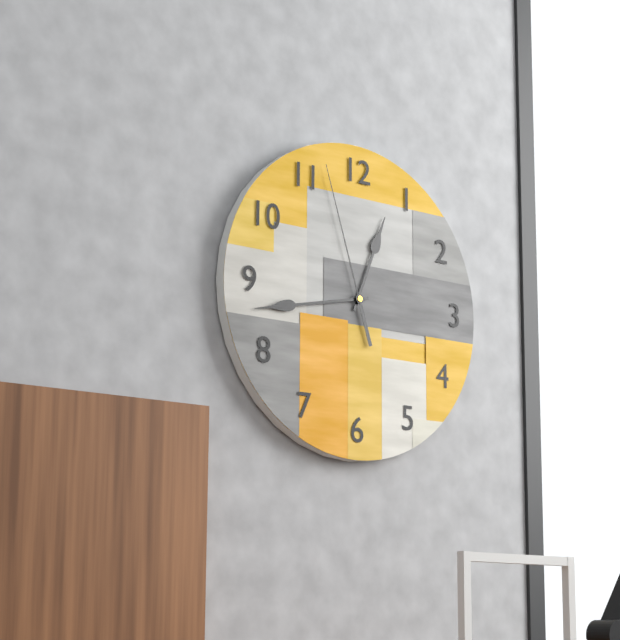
12.43.57
